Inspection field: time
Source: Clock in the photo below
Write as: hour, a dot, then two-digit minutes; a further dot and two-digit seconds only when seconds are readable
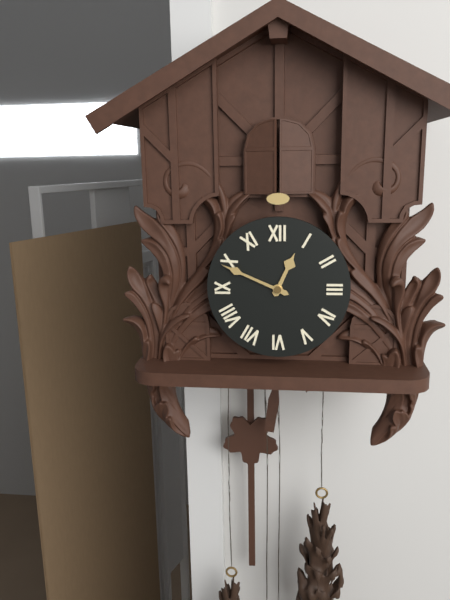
12.49
